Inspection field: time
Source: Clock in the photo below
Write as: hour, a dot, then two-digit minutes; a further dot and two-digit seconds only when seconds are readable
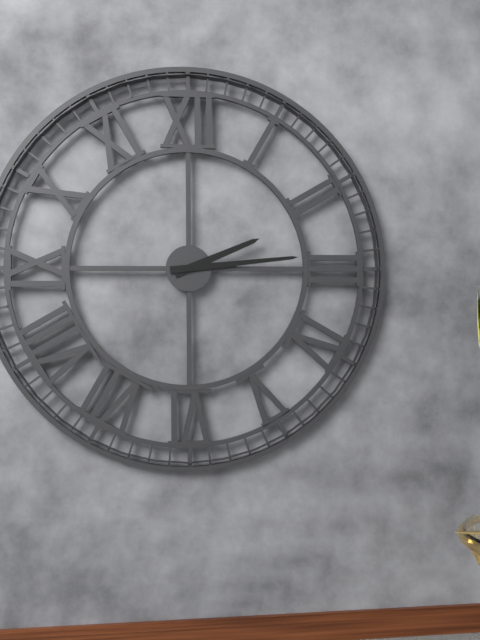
2.14
